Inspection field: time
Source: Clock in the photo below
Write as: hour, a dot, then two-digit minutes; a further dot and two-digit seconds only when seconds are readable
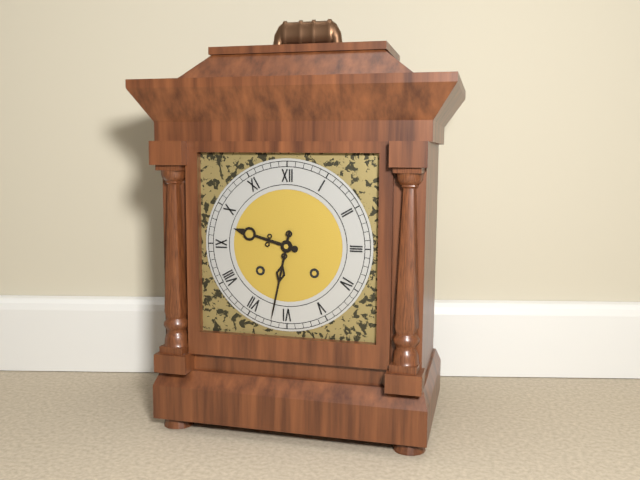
9.32
